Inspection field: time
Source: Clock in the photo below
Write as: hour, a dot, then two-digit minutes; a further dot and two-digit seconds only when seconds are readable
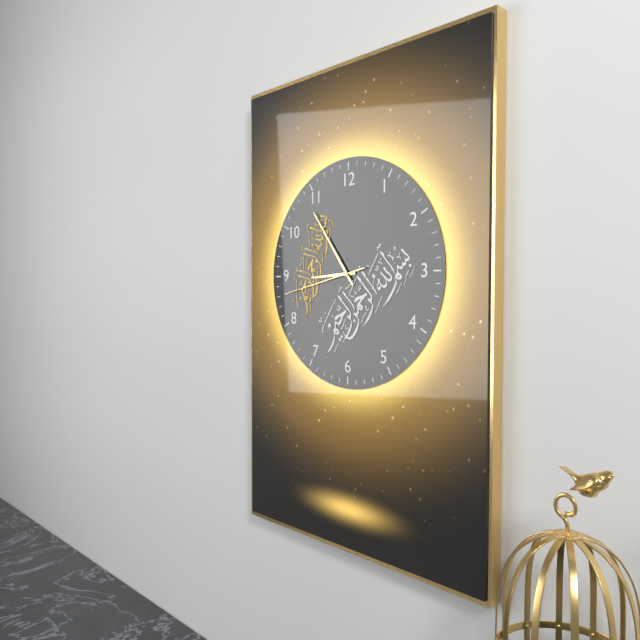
8.54.43
